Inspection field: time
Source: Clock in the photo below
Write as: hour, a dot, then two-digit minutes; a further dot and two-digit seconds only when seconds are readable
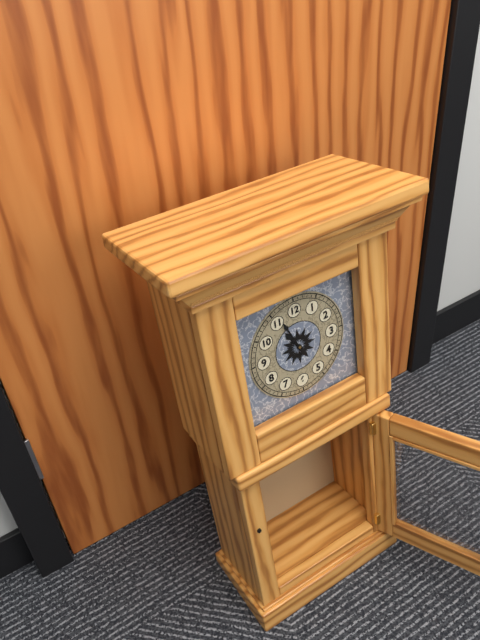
10.56
